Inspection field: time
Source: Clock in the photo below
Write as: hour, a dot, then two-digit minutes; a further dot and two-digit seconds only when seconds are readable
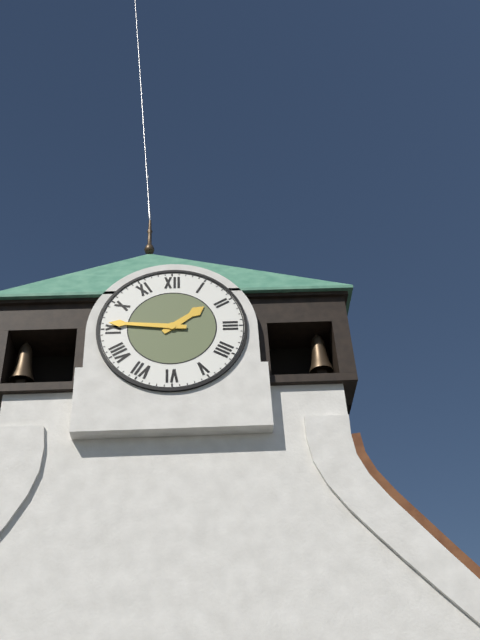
1.46
